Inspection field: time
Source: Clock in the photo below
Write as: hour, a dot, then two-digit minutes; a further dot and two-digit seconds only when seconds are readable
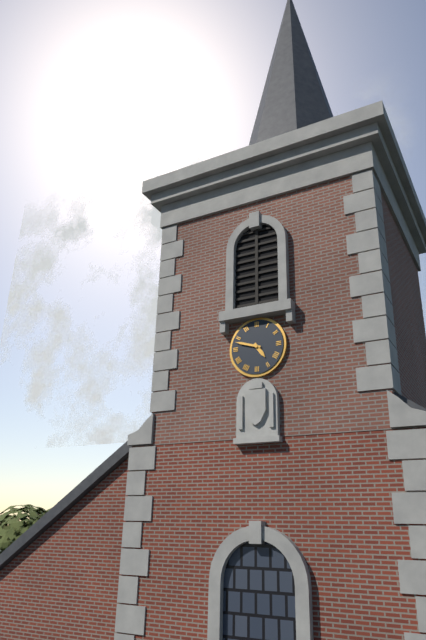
4.48
